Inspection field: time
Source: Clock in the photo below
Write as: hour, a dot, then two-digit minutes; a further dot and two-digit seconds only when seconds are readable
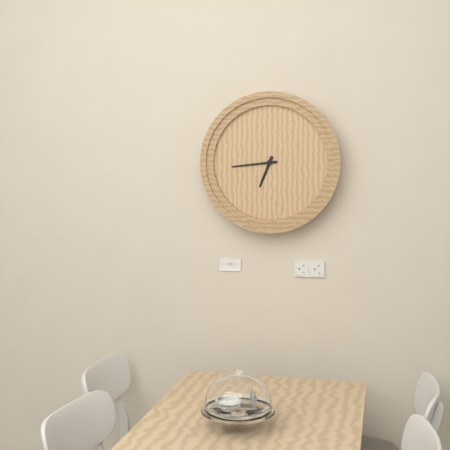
6.44
